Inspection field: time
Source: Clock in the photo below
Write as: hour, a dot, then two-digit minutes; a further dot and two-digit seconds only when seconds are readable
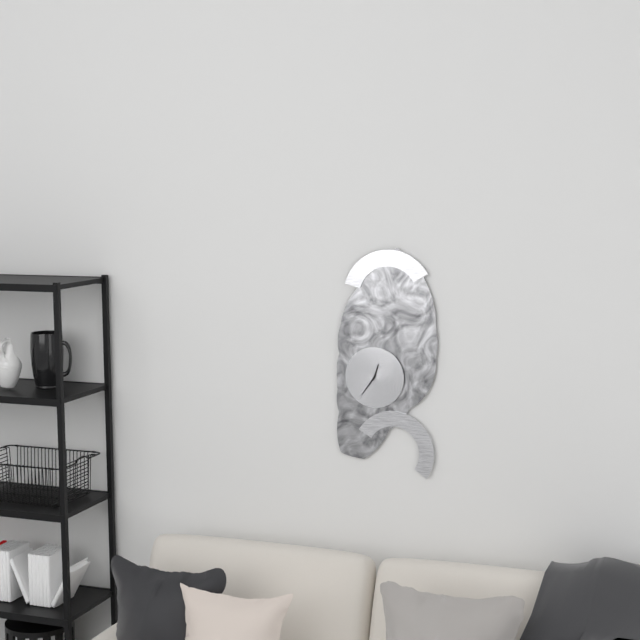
12.36
